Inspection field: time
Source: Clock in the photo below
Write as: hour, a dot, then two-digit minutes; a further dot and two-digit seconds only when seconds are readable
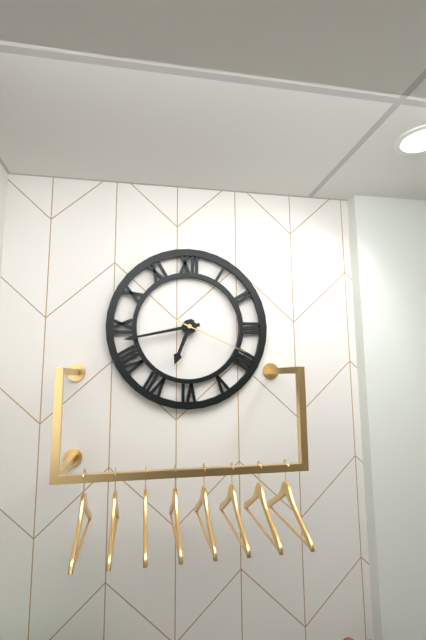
6.43.19
